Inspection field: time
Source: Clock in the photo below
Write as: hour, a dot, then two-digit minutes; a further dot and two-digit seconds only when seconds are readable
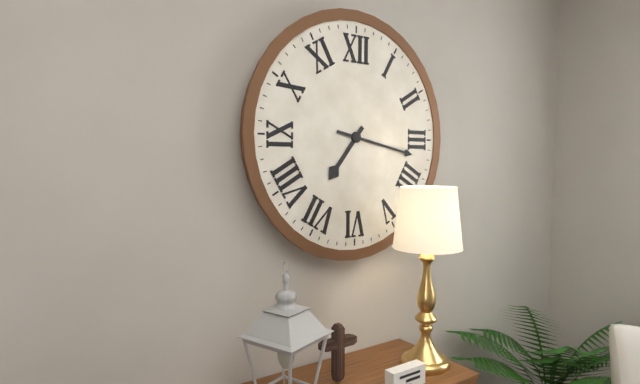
7.17
